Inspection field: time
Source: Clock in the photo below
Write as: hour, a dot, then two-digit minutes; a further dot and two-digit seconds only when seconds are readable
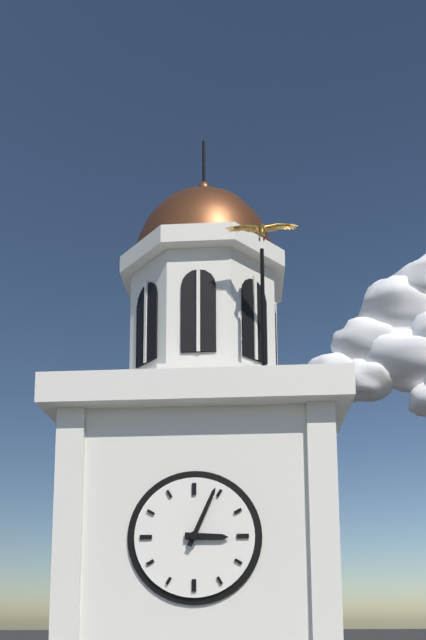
3.04
